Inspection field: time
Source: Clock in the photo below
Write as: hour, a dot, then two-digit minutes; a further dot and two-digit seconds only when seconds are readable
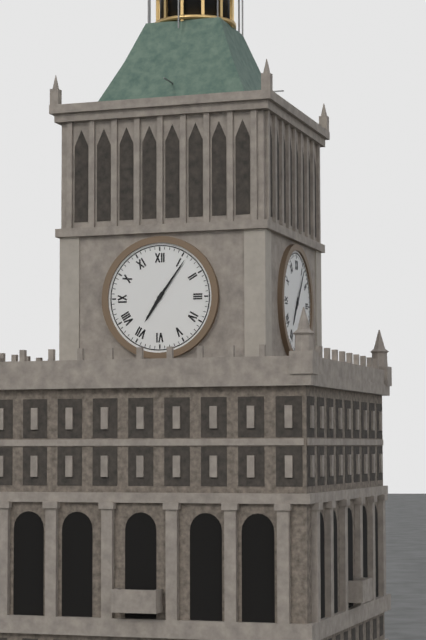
7.06
